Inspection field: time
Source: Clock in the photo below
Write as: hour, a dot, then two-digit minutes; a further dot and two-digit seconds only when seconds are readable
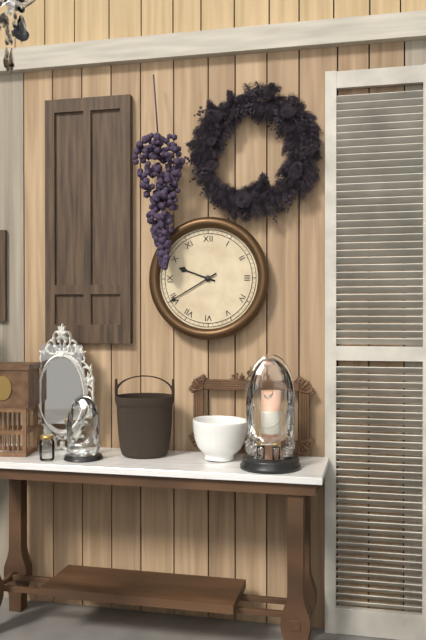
9.40
